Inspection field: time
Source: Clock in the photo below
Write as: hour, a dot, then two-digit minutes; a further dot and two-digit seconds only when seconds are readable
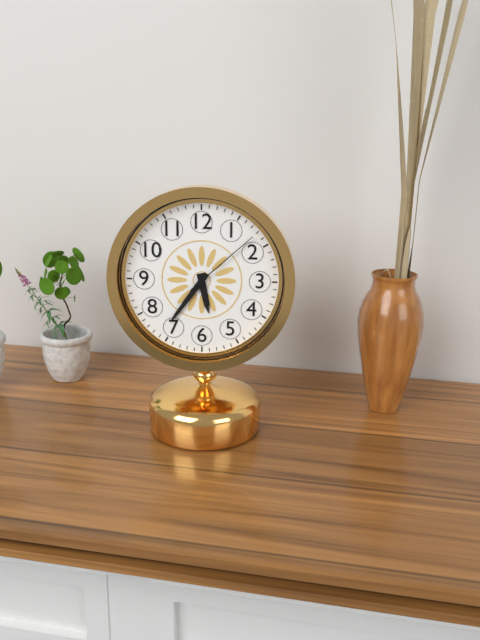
5.36.08
